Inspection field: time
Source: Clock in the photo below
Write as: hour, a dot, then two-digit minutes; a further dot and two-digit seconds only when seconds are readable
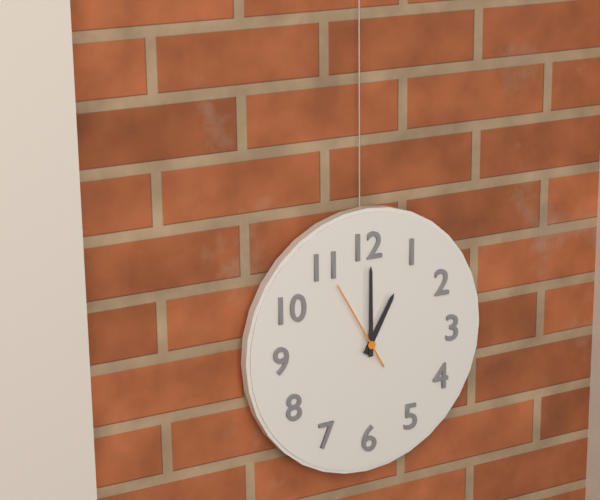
1.00.55
